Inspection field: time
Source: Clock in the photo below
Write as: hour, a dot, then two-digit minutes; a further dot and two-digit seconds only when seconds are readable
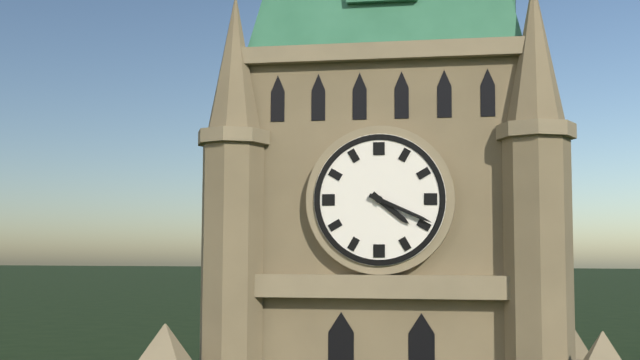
4.19
